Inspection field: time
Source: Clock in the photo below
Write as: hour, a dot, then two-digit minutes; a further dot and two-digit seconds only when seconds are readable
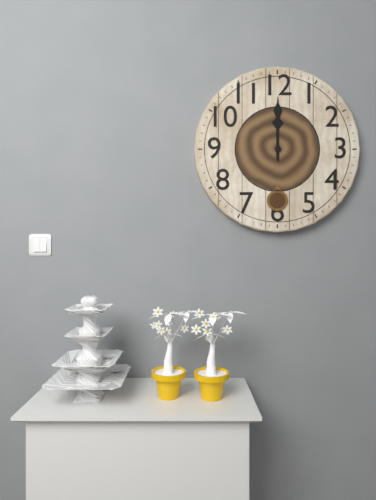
12.00
